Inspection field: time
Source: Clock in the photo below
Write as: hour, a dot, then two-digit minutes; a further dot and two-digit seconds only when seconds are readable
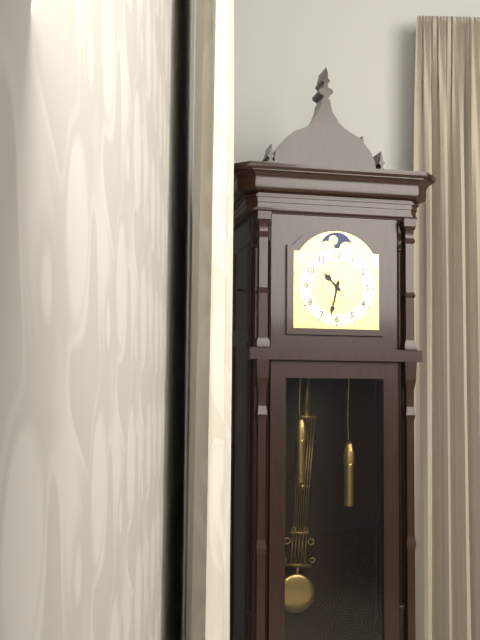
10.32
